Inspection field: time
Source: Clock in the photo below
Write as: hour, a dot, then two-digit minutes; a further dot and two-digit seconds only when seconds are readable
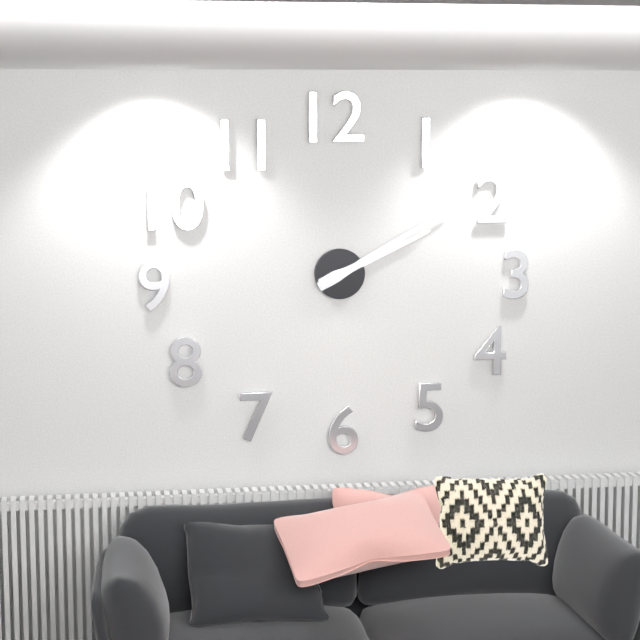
2.10
